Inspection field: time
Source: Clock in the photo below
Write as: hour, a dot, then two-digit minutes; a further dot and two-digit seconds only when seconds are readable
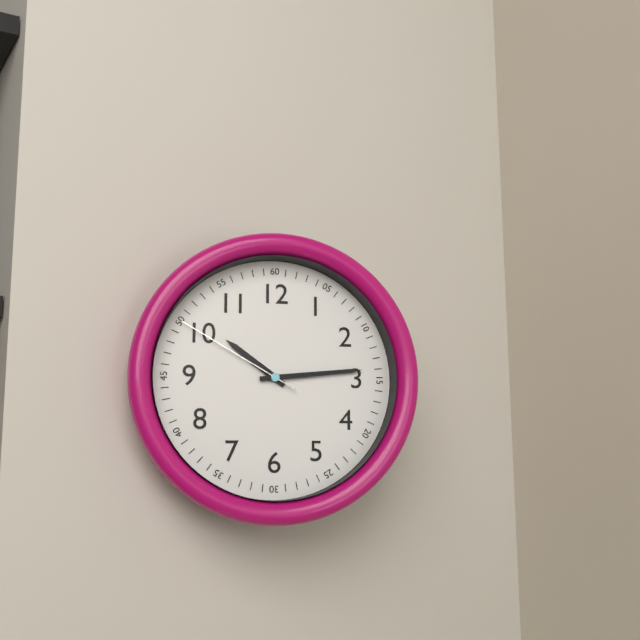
10.14.50
